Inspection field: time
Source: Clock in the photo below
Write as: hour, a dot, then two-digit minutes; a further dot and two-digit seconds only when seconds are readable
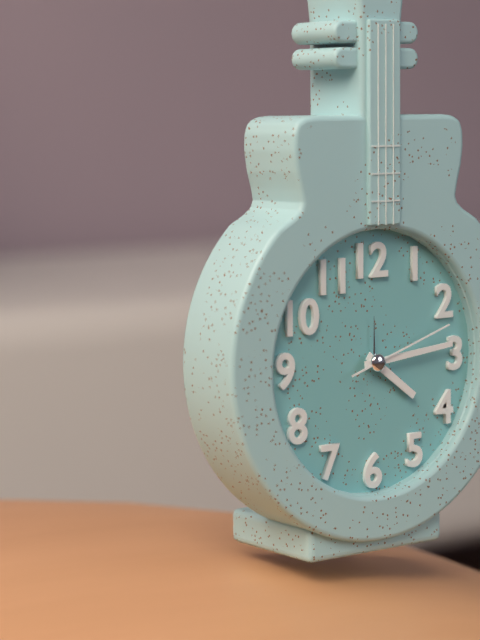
4.14.12
